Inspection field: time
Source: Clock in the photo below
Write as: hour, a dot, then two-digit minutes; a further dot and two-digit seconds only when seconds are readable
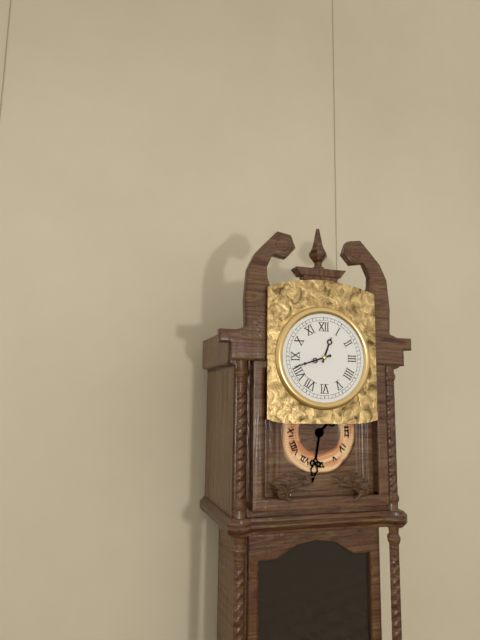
12.42
